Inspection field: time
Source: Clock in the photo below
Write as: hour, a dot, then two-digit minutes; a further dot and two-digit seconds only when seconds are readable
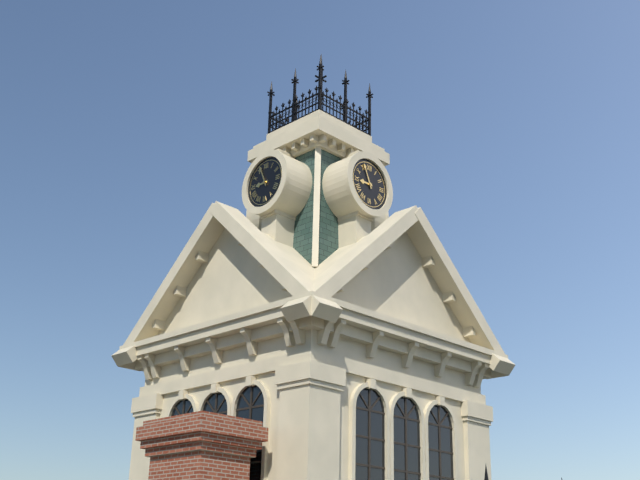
8.56
